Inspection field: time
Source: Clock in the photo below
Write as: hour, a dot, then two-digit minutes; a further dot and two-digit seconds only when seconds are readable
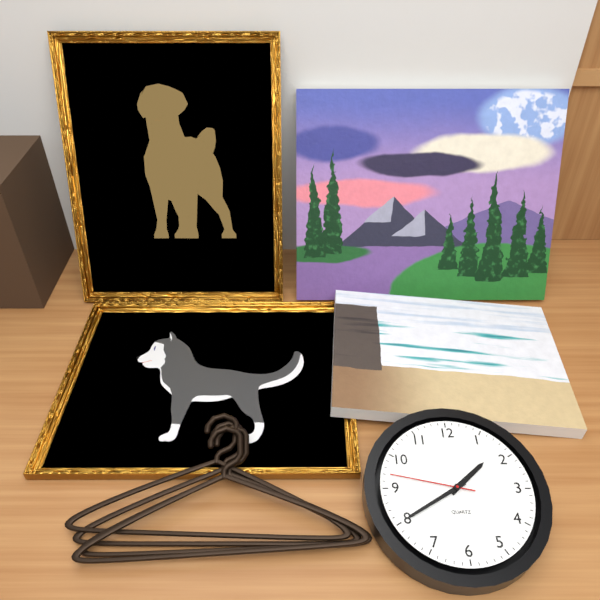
1.40.47
